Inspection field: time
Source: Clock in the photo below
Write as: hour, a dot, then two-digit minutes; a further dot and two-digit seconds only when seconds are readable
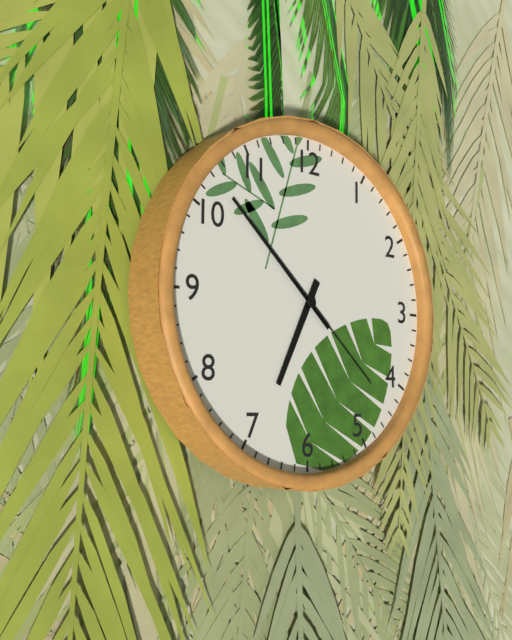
6.52.22
